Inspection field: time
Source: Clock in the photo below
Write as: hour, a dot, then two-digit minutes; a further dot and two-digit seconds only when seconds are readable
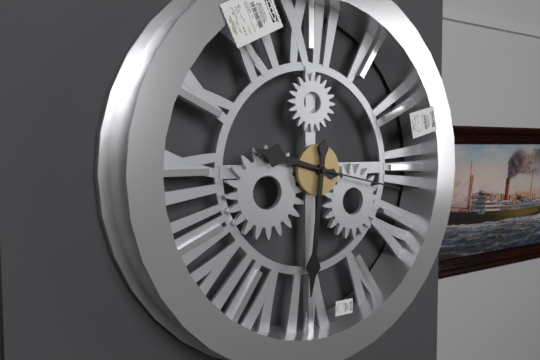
9.31.17
